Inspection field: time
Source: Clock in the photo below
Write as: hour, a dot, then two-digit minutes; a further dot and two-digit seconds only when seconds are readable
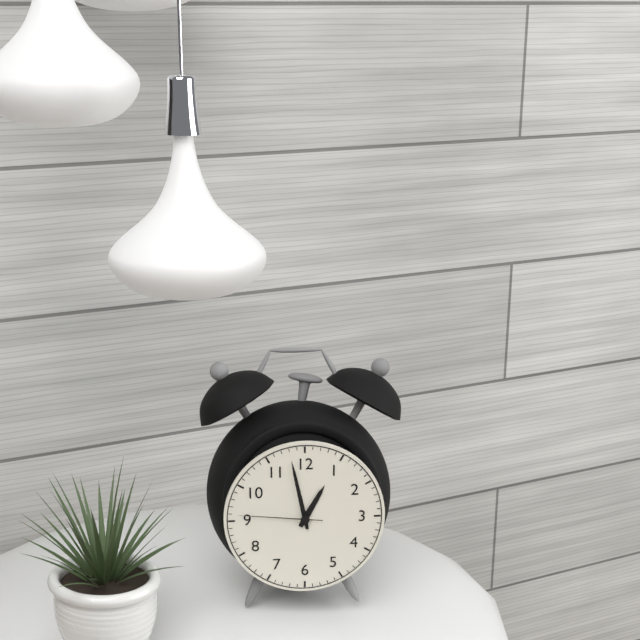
12.58.46
